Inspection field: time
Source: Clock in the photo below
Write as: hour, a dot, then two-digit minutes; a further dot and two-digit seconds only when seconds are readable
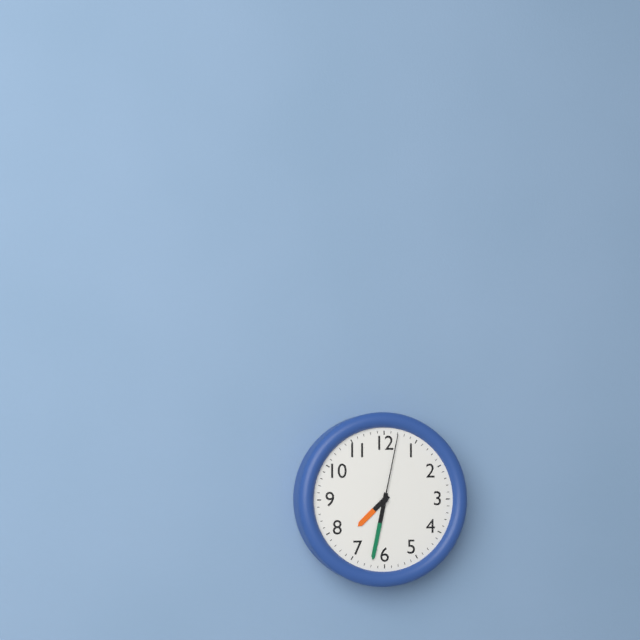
7.32.02
